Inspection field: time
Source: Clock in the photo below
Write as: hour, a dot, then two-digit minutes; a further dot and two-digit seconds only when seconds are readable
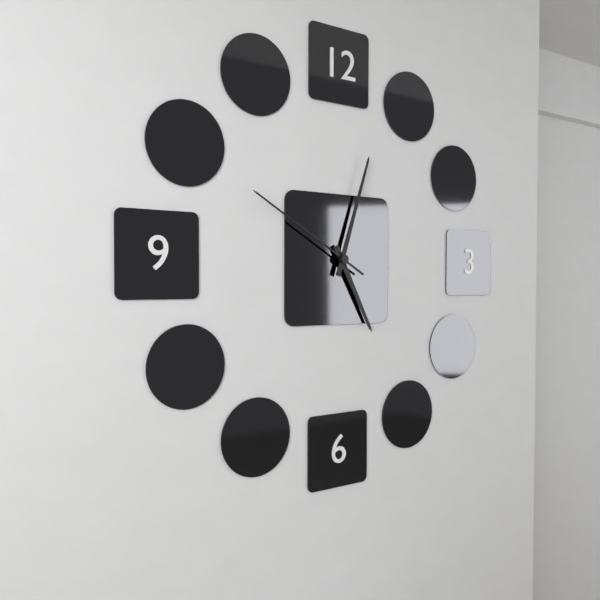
5.03.50
